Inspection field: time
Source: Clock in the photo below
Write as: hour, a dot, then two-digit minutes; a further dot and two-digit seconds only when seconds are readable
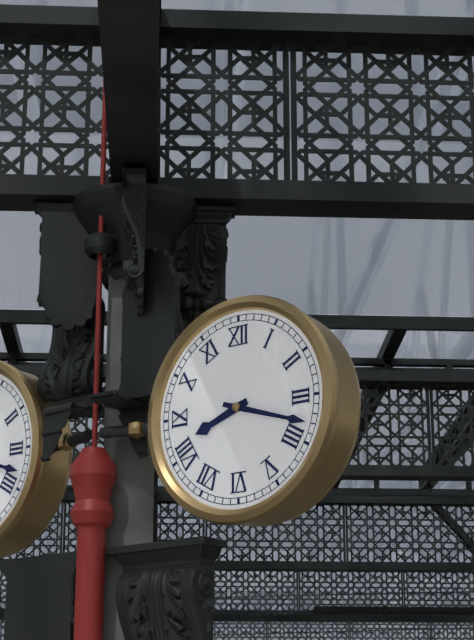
8.18
